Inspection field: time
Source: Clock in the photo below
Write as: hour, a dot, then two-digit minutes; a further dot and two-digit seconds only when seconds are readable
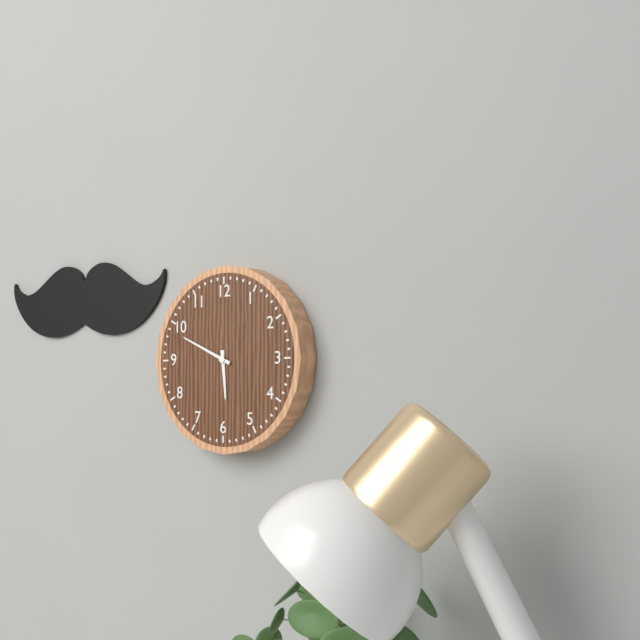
5.49
